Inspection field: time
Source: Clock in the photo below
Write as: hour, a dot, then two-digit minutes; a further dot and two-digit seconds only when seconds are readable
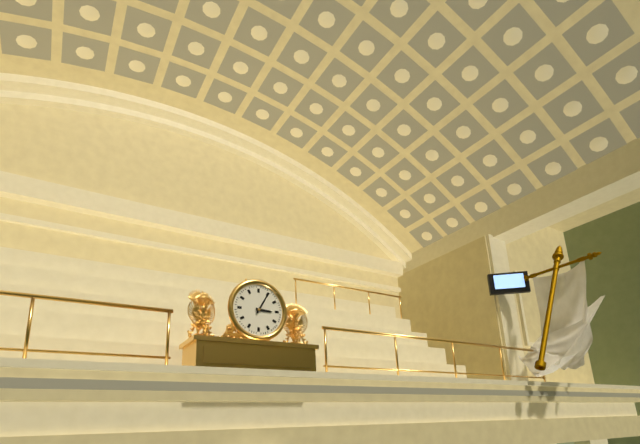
3.05
